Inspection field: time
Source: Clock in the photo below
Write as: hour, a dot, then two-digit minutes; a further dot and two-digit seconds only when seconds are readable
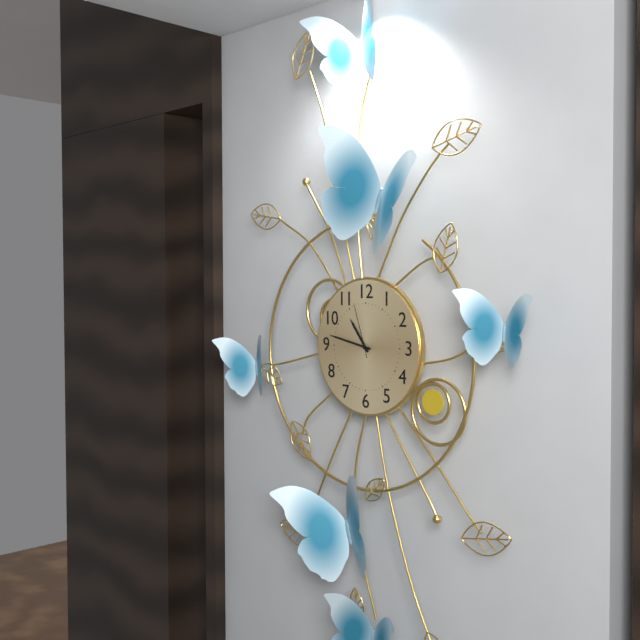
10.47.57
